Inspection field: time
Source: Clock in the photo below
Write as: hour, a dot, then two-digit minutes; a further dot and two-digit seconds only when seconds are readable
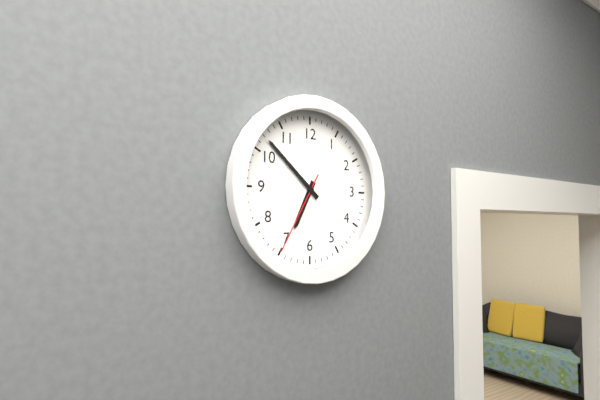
6.52.35
